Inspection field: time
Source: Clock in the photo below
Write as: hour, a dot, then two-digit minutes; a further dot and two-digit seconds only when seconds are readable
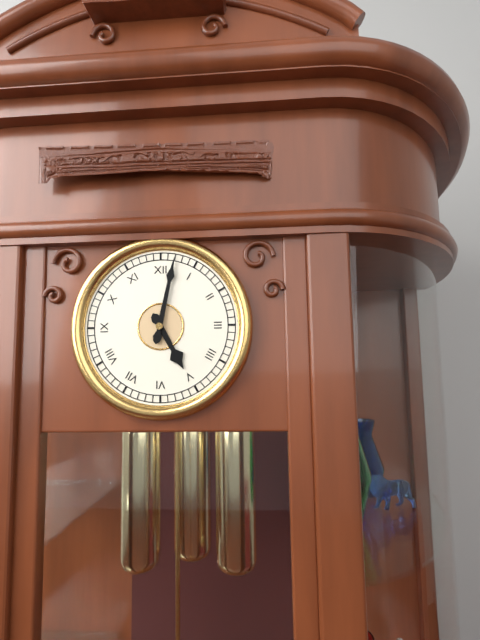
5.02
